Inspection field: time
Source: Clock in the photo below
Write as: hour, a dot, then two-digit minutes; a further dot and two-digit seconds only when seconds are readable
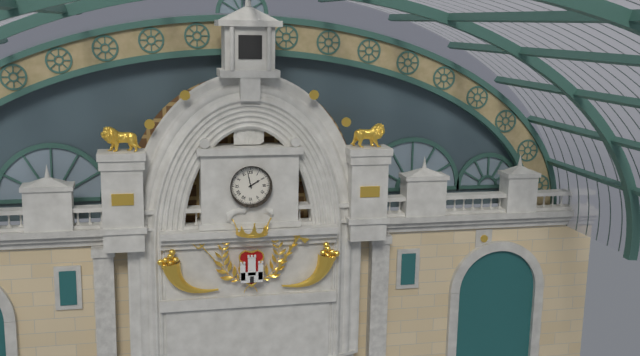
1.58
